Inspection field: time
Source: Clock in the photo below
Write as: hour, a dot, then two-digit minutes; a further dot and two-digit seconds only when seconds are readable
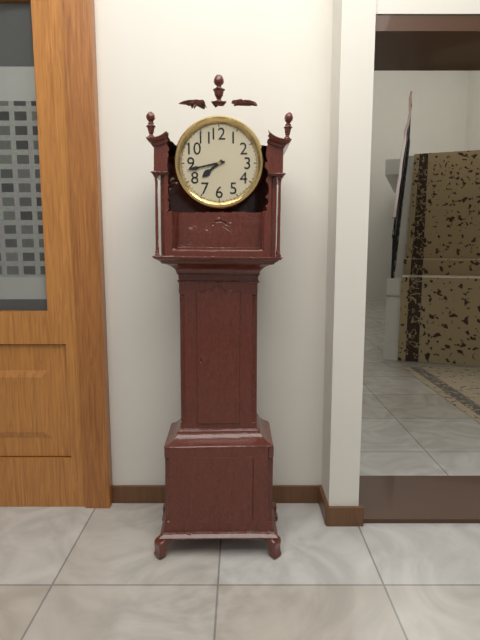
7.43
